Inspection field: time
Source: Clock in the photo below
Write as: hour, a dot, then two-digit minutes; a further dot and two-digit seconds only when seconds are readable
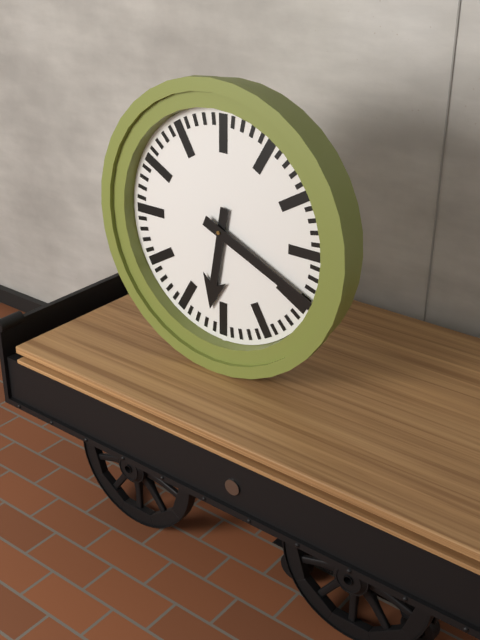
6.19
